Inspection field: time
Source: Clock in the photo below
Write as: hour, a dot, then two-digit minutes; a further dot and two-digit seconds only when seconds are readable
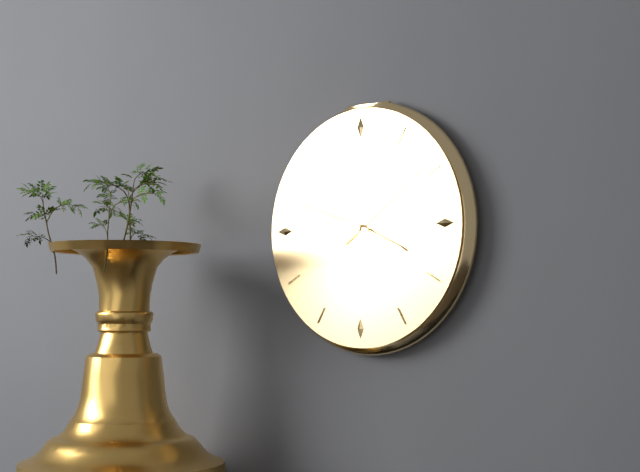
3.48.09
